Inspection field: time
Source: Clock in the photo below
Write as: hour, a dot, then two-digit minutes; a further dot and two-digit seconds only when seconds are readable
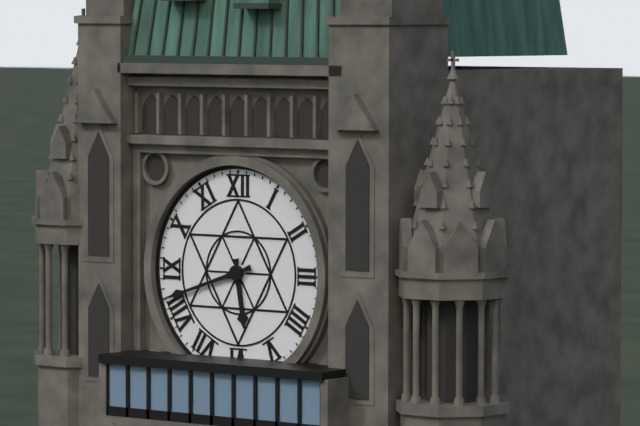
5.42
